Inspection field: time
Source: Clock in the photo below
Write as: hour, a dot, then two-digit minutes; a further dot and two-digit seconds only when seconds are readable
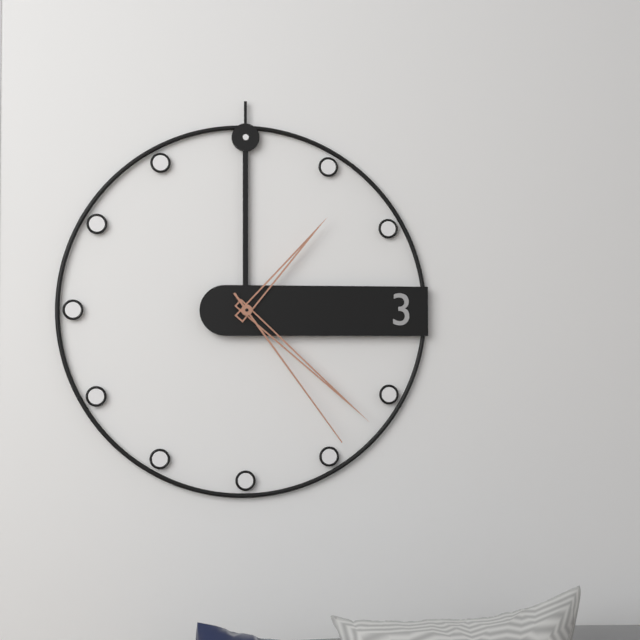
1.22.24
